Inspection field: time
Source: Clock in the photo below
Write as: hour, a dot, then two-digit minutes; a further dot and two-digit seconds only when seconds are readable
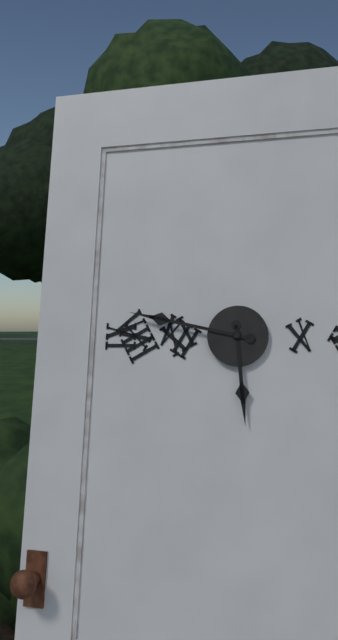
5.47
